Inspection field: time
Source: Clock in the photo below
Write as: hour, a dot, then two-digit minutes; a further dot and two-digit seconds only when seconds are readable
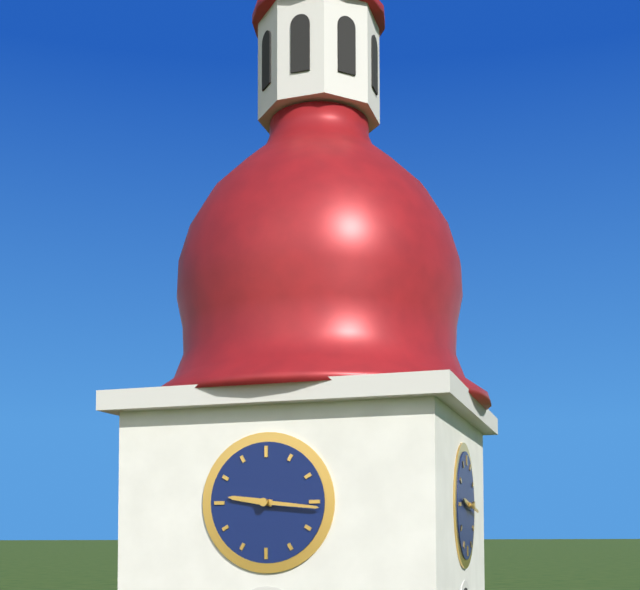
9.16
